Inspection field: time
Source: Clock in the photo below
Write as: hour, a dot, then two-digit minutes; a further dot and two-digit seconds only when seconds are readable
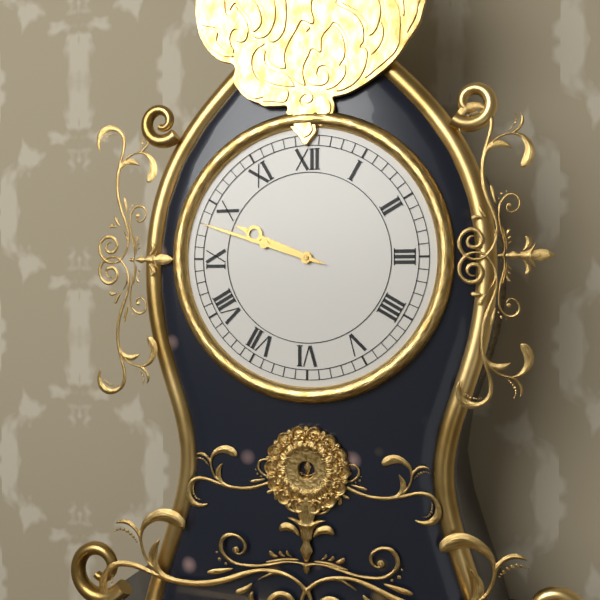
9.48
